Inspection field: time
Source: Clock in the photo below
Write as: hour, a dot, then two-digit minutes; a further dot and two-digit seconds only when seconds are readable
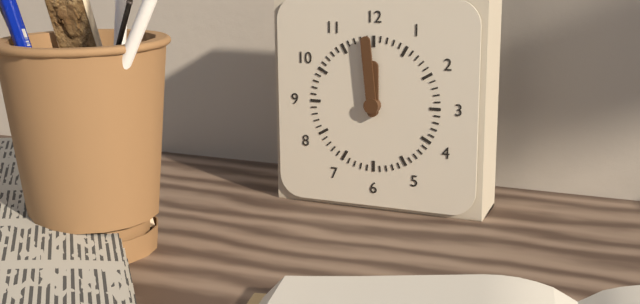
11.59
